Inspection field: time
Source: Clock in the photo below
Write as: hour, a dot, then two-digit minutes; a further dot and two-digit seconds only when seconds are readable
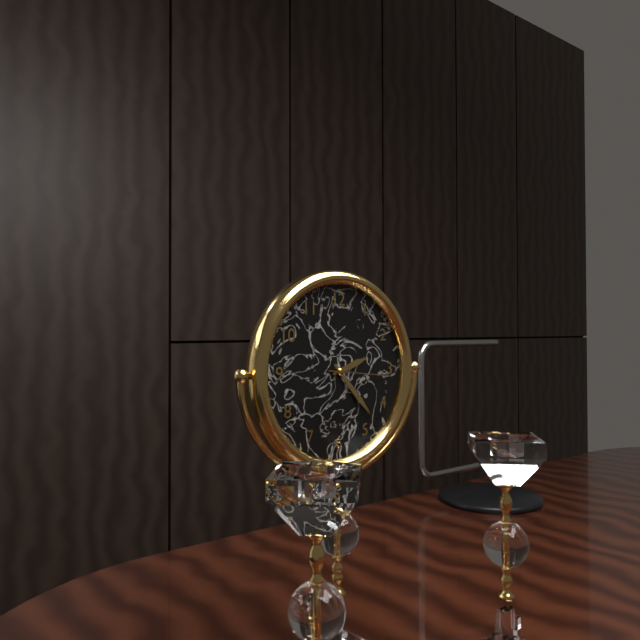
2.23.16
